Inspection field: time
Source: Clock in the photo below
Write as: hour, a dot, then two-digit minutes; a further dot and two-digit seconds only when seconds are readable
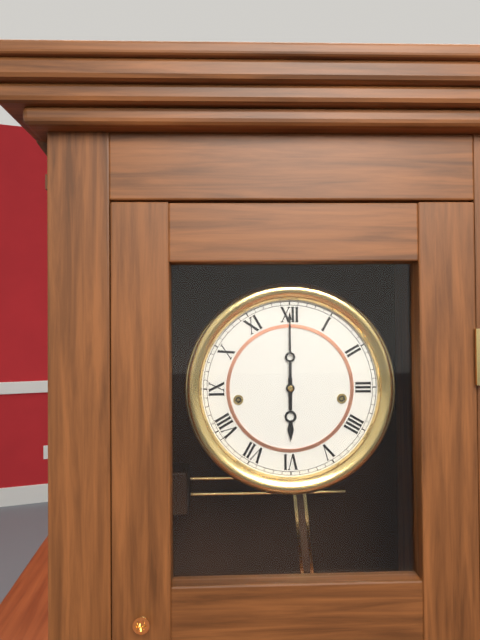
6.00
